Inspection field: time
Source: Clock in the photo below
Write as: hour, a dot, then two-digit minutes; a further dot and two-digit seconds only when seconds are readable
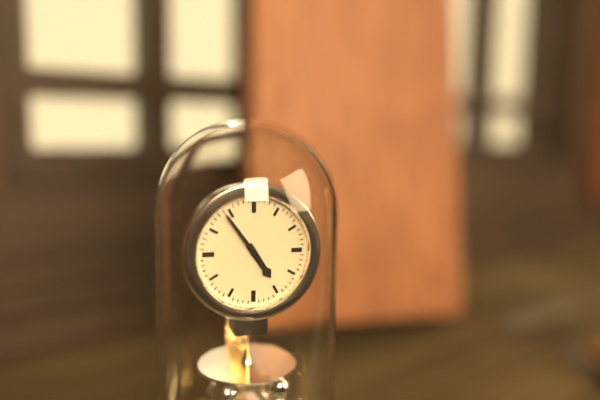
4.54
